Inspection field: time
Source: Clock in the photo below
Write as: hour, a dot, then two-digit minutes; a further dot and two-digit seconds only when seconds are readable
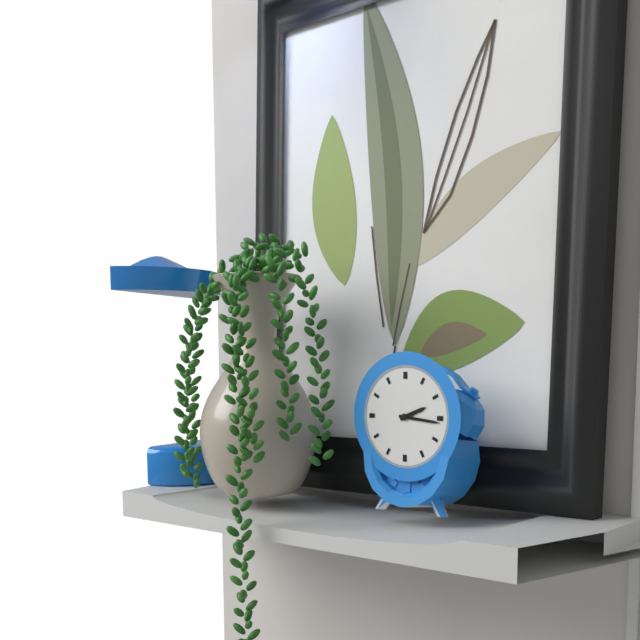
2.16
